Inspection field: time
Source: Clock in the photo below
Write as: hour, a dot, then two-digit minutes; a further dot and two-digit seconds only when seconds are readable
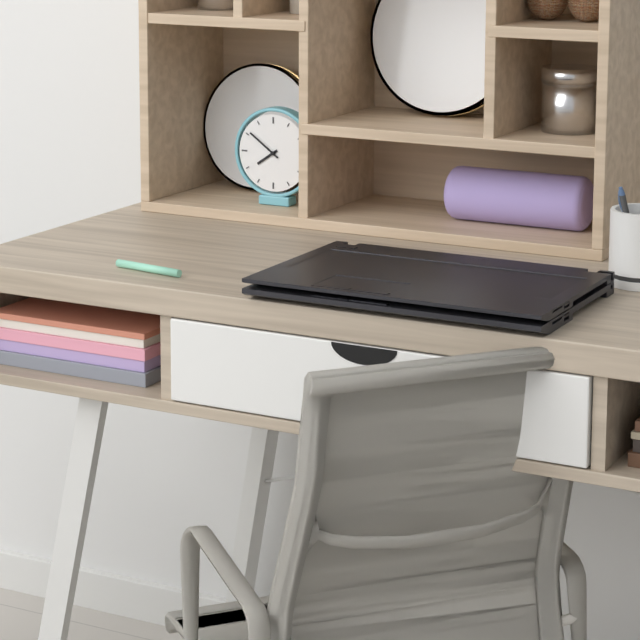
7.51
